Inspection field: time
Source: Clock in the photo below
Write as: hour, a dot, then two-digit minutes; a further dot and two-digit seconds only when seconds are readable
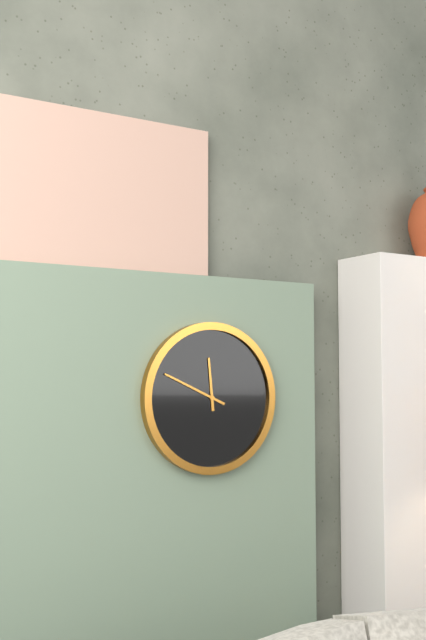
11.49
